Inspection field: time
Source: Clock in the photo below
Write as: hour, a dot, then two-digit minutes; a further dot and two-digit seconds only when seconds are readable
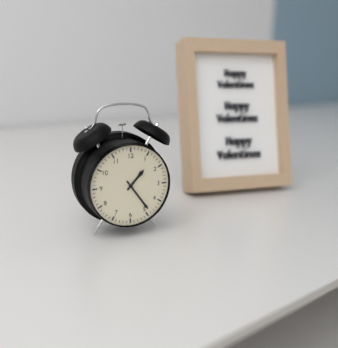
1.24
